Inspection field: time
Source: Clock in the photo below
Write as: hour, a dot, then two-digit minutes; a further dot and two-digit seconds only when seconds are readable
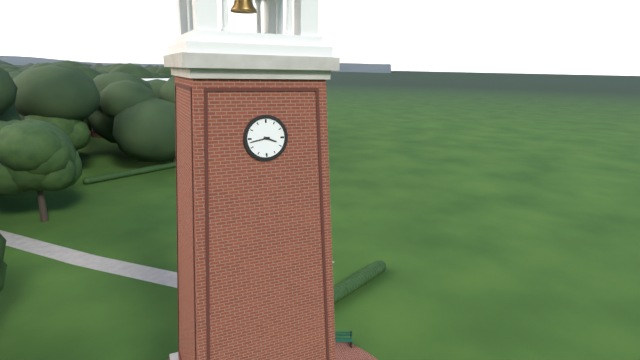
3.43
